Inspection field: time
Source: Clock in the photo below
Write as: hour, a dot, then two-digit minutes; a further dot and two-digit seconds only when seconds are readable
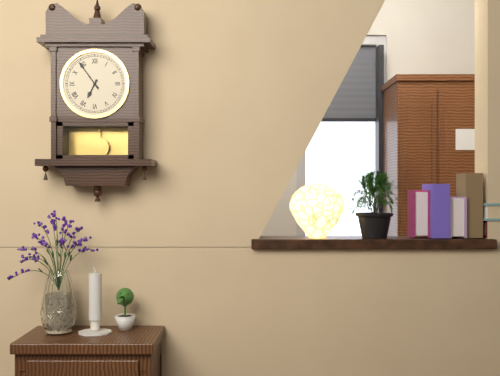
6.54
